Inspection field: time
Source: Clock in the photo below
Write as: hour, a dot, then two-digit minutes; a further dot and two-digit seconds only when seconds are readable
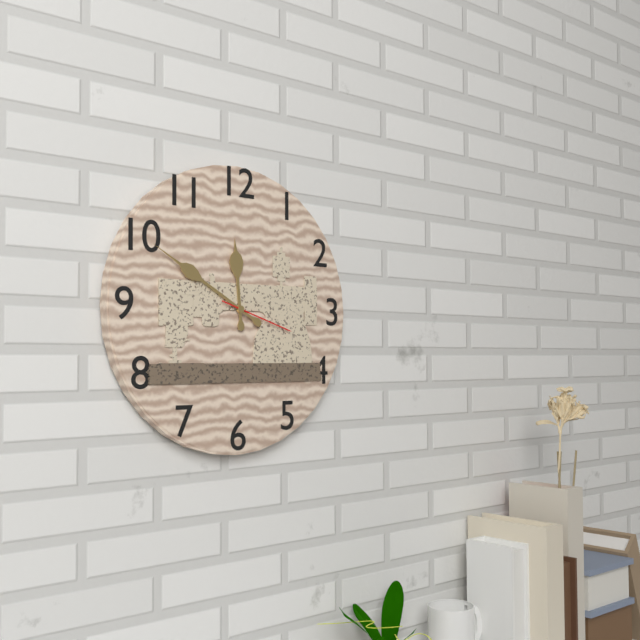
11.50.18
